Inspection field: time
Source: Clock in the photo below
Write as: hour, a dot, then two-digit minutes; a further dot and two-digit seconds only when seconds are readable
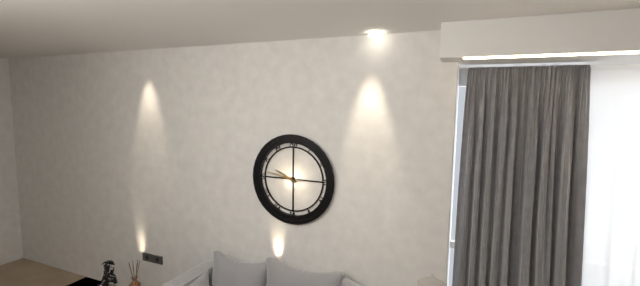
9.47
